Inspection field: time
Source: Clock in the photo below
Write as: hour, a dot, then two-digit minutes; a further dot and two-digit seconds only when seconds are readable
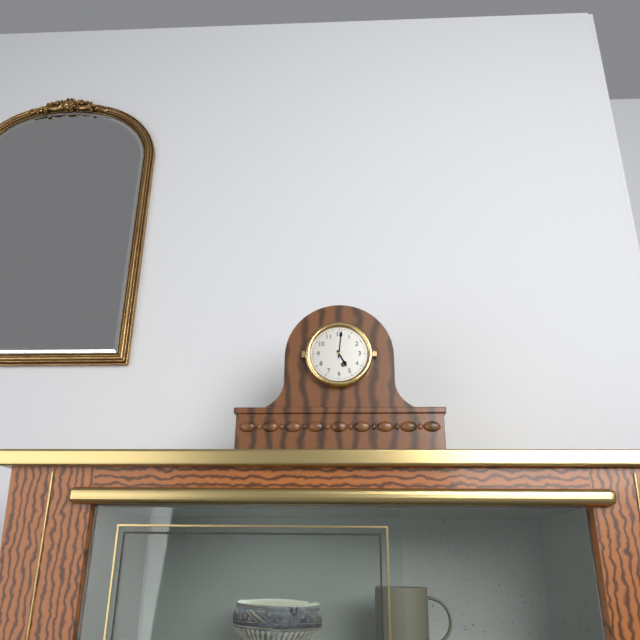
5.01
